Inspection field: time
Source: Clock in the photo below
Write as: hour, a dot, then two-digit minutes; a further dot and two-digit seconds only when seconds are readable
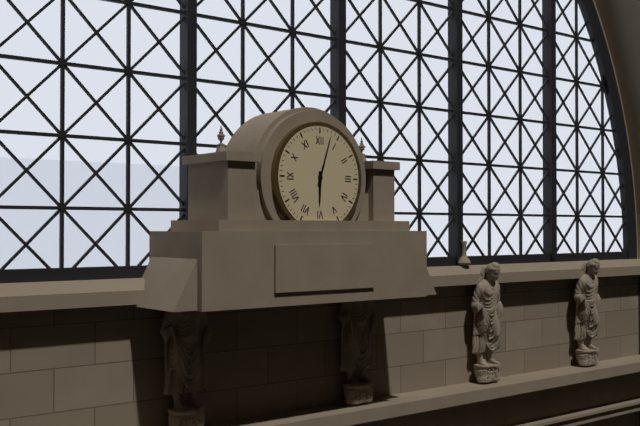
6.03
